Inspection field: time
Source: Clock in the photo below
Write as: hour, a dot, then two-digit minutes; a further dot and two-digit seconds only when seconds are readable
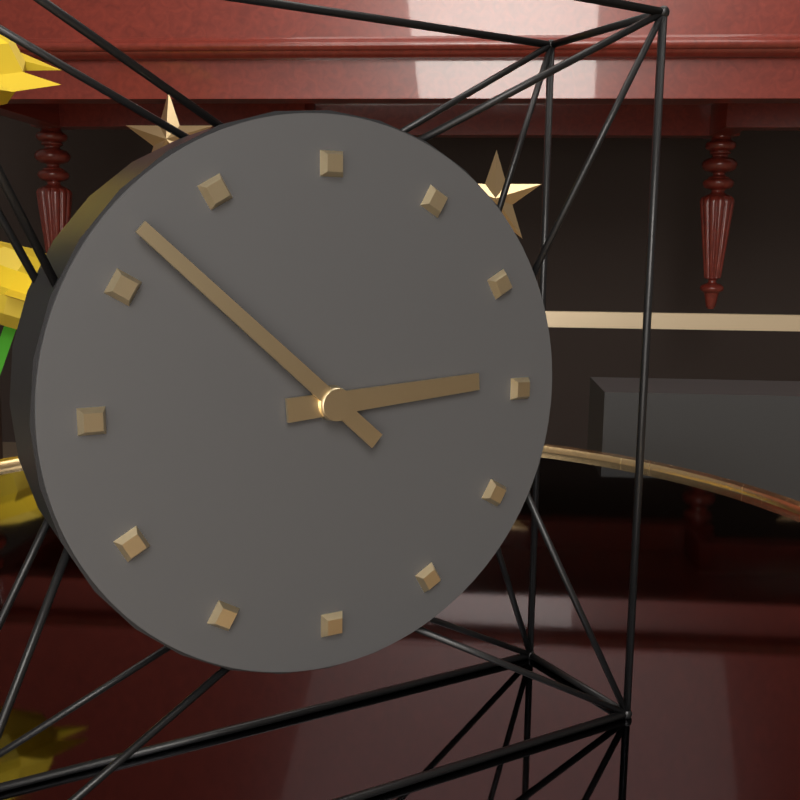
2.52
